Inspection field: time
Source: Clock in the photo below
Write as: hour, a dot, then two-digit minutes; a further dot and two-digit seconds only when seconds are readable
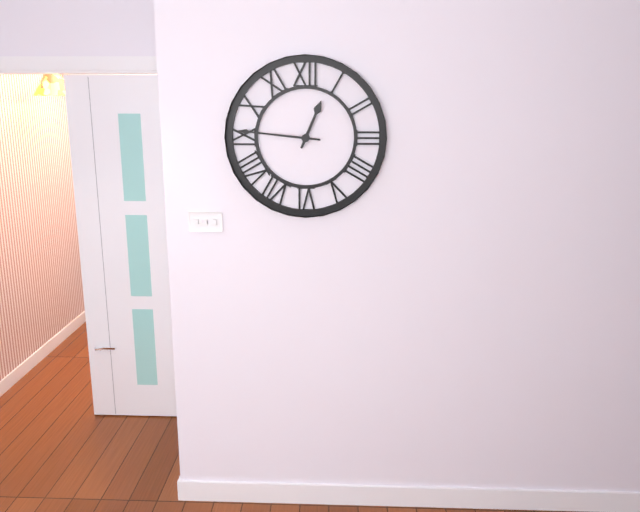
12.46
